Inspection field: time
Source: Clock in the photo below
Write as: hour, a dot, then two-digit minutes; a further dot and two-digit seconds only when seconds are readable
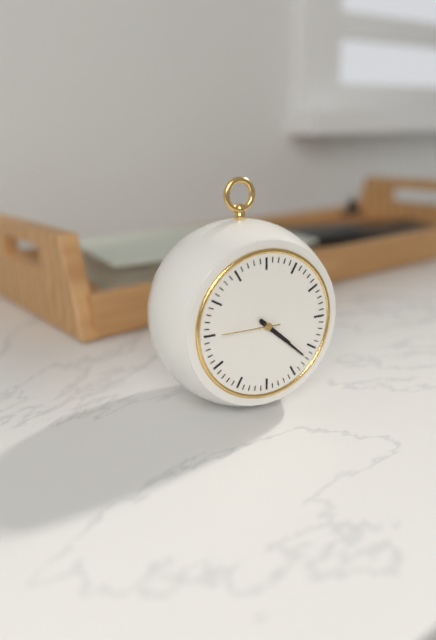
4.22.45
